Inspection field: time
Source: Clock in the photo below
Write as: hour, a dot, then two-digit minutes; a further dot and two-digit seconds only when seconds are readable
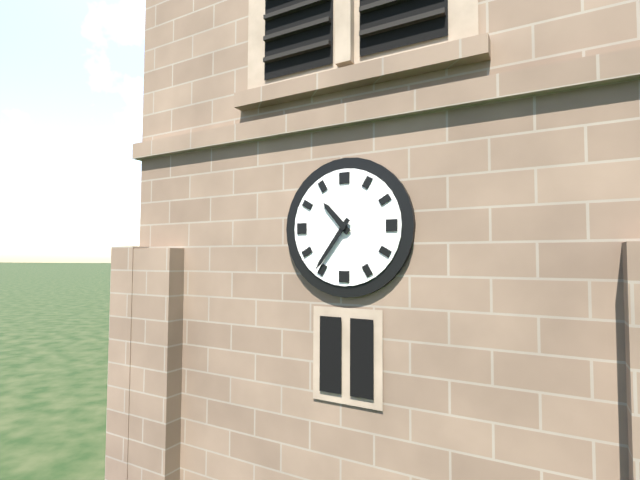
10.36
